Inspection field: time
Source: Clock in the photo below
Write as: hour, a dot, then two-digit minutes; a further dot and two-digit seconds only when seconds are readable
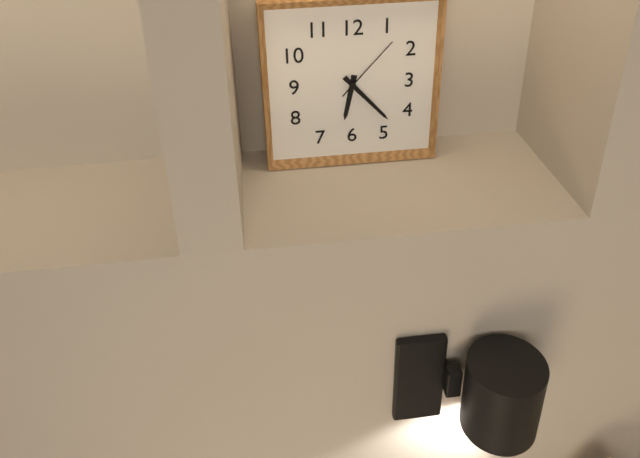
6.23.07
